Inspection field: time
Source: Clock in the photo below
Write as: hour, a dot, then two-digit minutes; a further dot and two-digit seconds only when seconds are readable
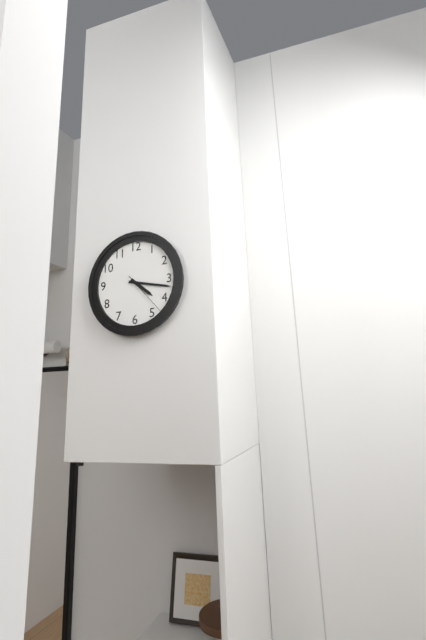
4.17
